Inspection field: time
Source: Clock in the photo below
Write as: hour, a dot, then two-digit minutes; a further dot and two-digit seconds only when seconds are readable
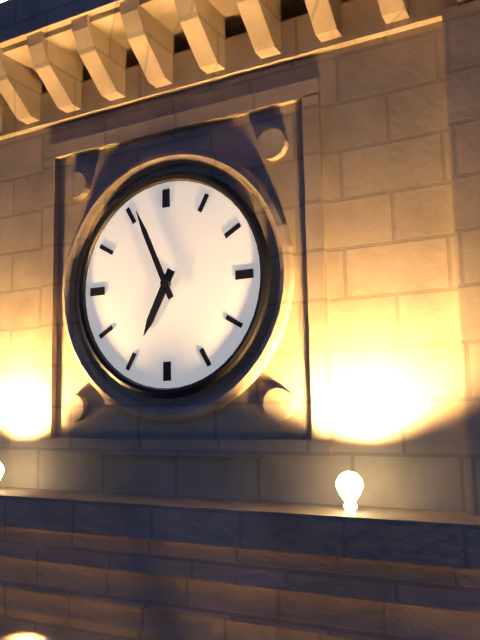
6.56
